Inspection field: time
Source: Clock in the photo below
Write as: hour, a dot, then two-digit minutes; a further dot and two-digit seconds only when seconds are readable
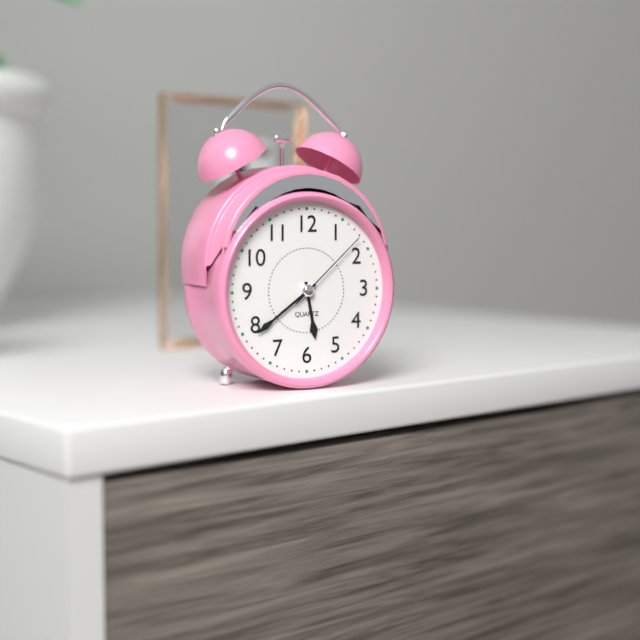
5.39.08
